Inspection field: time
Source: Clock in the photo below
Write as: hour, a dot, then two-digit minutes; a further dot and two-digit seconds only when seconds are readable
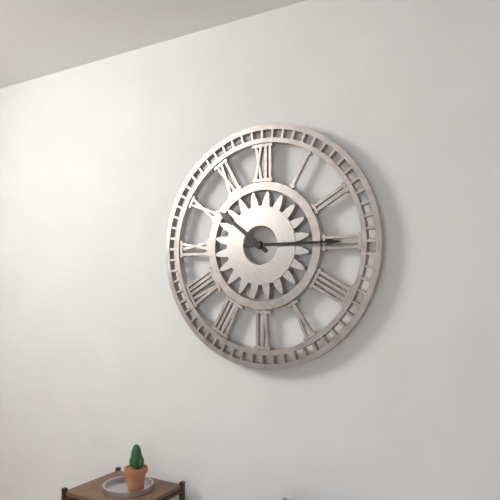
10.15
